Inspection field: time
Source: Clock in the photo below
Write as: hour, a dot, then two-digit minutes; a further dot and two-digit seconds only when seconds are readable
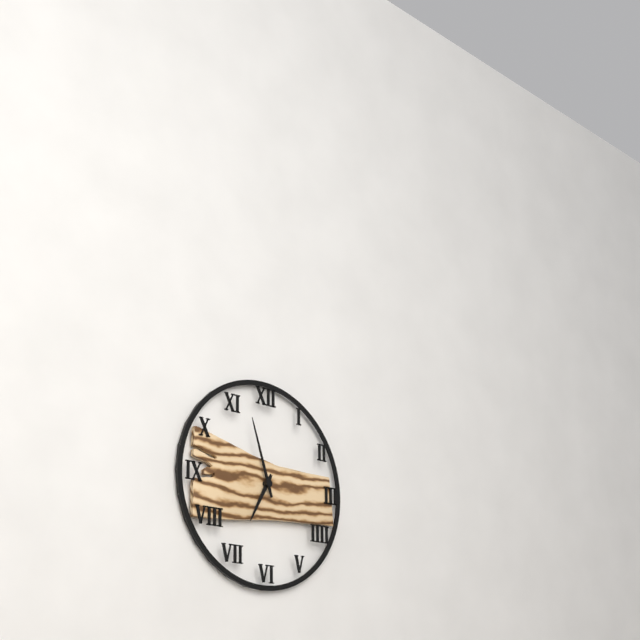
6.57
